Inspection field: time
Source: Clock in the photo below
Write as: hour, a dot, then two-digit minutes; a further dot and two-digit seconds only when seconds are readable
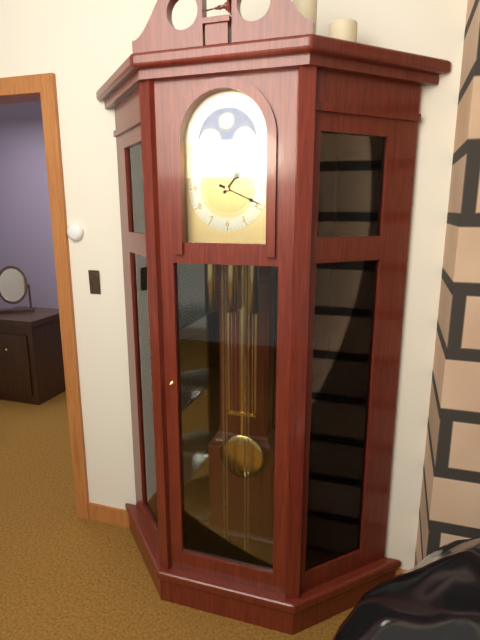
1.19
